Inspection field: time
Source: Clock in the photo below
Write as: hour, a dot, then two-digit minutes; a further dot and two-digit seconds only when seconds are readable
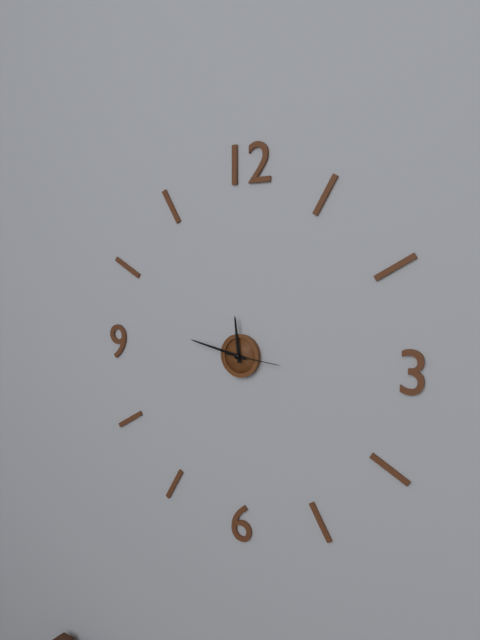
11.47.16
